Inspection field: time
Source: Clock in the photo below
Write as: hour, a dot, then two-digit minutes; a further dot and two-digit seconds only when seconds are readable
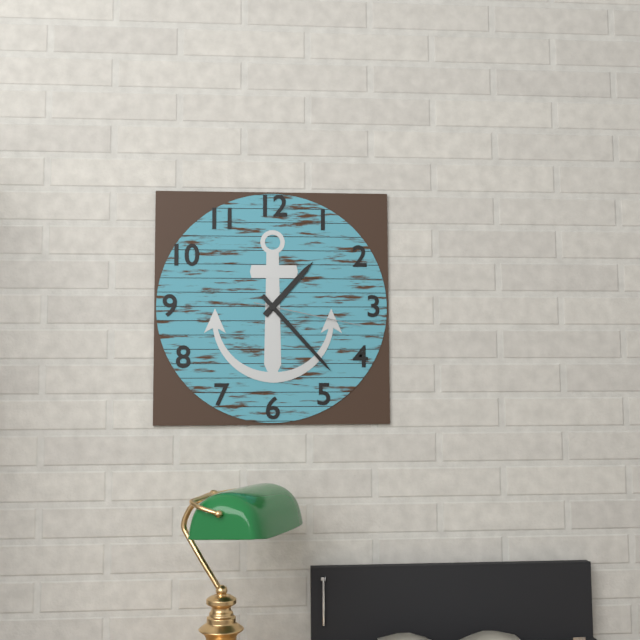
1.23.17
